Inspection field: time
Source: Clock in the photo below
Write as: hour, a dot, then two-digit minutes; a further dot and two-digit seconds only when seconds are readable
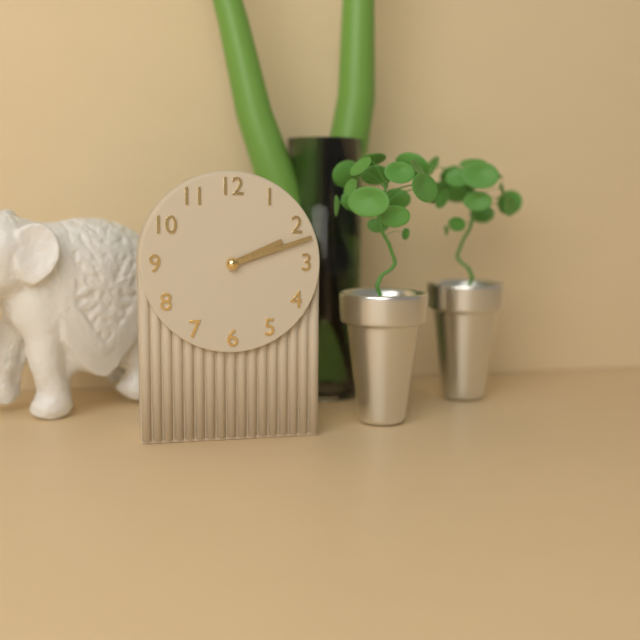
2.12
